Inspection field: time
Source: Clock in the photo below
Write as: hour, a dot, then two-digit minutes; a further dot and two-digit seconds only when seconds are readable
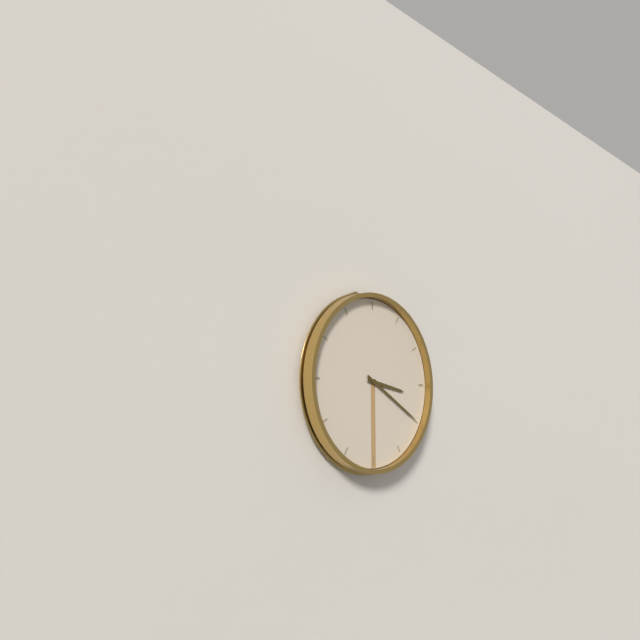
3.20
